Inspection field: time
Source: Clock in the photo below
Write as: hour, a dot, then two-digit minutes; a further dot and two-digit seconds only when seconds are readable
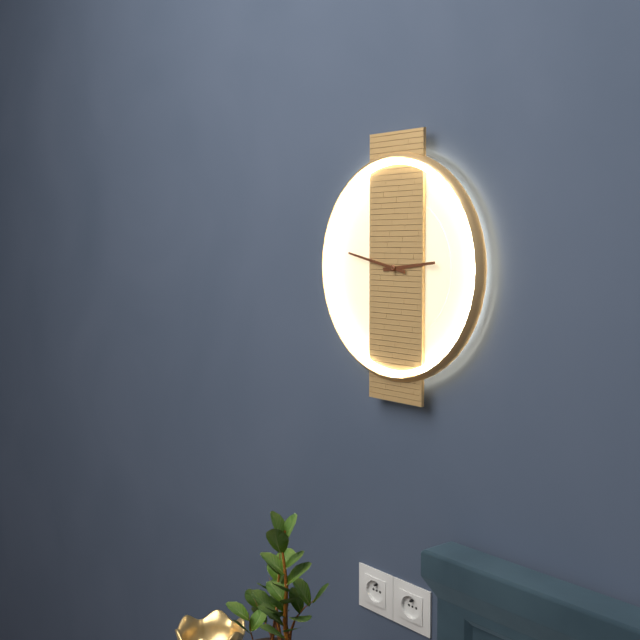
2.47
